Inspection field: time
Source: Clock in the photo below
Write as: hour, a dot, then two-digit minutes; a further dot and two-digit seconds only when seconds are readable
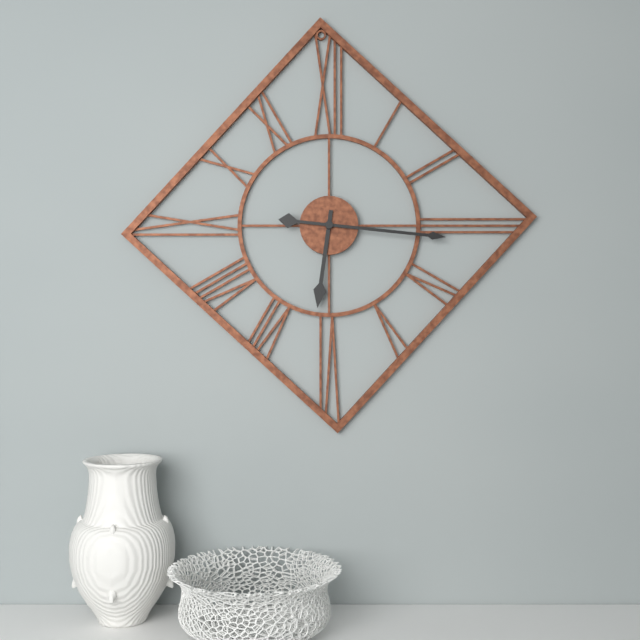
6.16
